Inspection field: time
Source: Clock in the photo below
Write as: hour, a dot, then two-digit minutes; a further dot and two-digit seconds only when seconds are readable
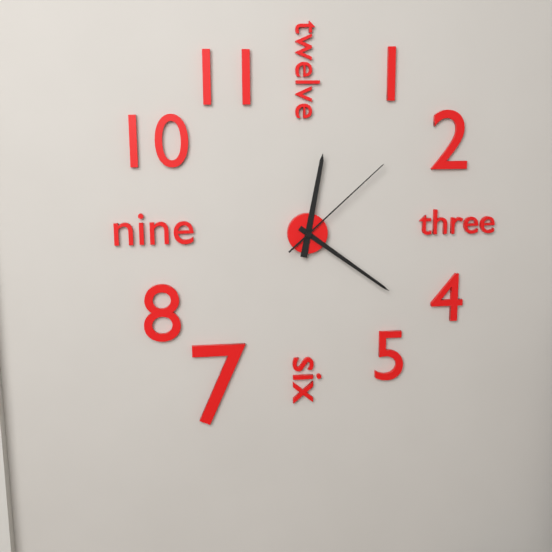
12.21.08
